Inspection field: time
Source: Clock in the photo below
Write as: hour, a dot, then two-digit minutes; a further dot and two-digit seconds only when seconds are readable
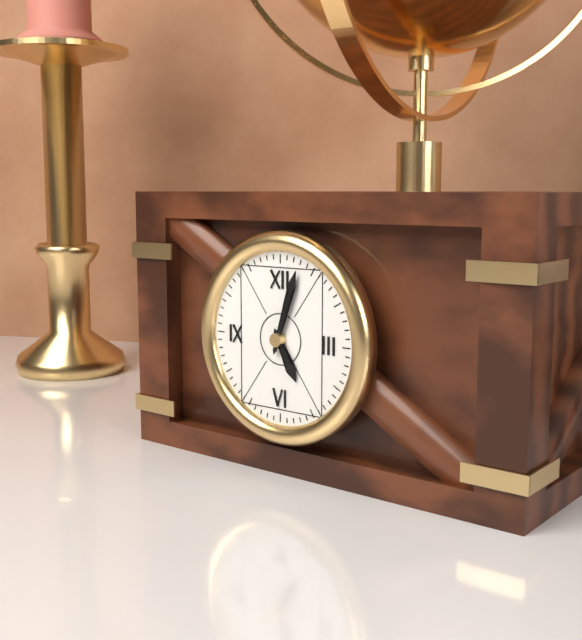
5.03
